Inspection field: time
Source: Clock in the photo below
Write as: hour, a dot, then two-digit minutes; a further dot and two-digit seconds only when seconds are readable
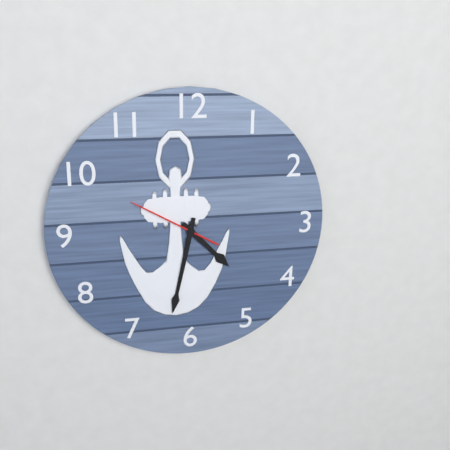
4.32.50
